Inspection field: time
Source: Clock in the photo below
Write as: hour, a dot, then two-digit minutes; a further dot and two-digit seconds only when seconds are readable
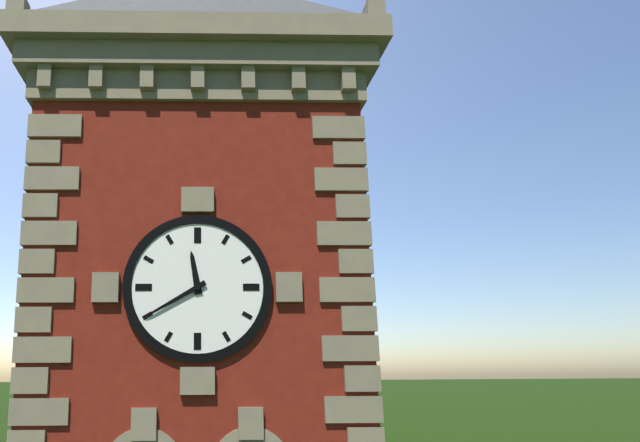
11.40
